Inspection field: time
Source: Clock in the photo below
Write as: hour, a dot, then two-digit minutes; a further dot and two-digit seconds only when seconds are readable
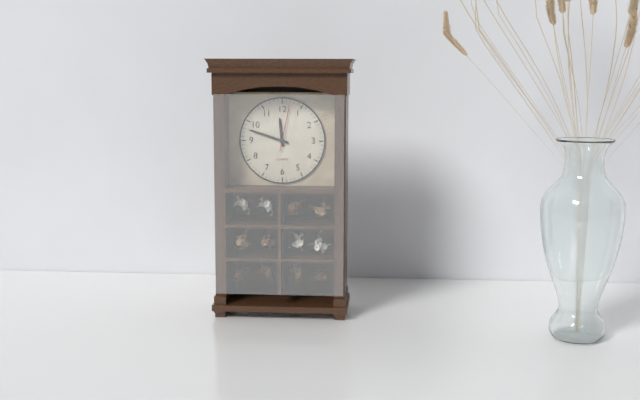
11.48
